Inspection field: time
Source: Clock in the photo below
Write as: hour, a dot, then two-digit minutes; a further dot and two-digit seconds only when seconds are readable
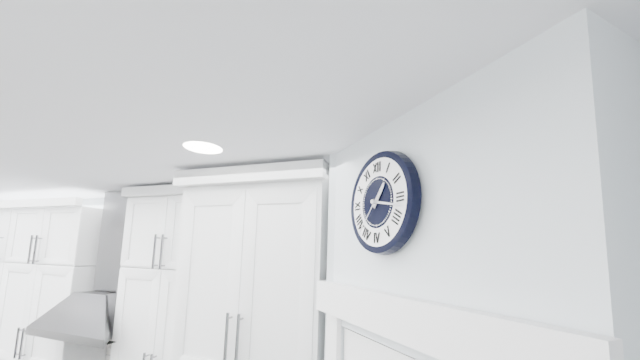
1.17
